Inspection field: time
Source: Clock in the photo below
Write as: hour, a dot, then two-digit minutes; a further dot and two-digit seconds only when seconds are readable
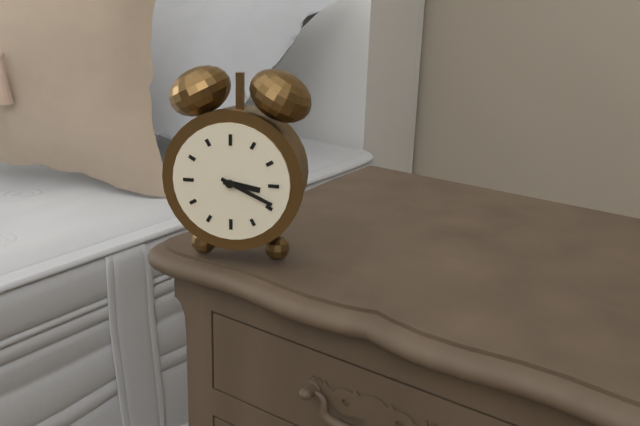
3.19
